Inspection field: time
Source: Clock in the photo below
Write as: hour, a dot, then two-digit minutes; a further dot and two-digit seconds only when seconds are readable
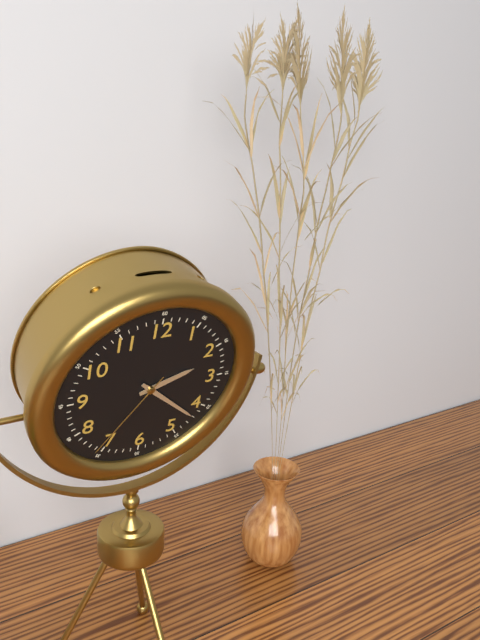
2.22.36
